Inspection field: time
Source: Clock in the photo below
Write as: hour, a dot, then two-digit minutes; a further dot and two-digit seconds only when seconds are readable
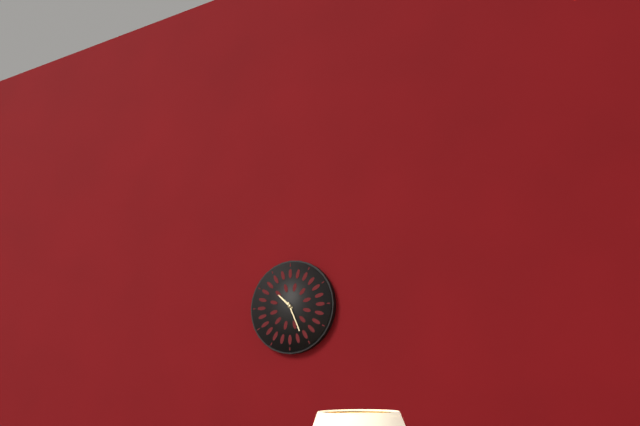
10.26
